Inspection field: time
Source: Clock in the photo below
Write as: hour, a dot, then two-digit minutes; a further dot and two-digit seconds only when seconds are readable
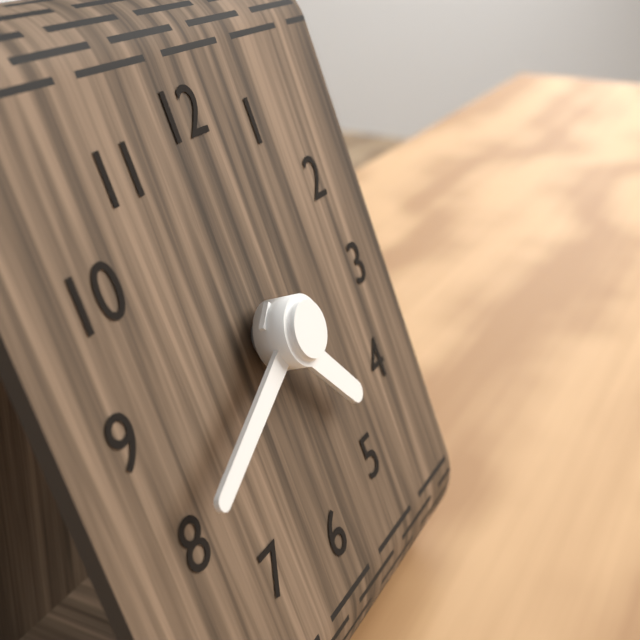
4.41
